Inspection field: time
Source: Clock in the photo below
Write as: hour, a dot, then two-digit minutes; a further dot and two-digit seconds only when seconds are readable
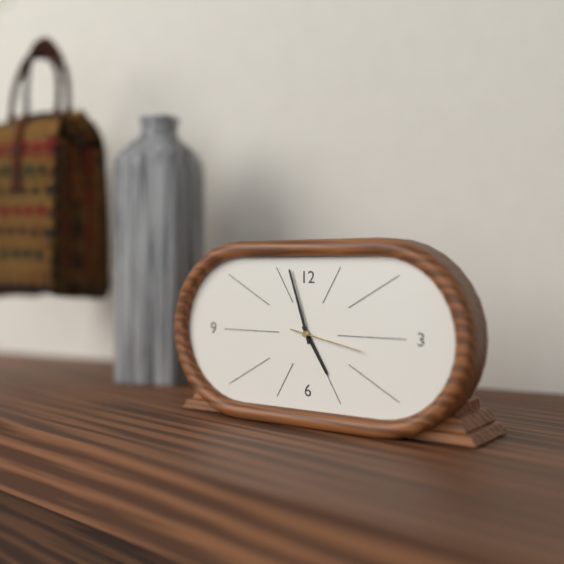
4.57.17
